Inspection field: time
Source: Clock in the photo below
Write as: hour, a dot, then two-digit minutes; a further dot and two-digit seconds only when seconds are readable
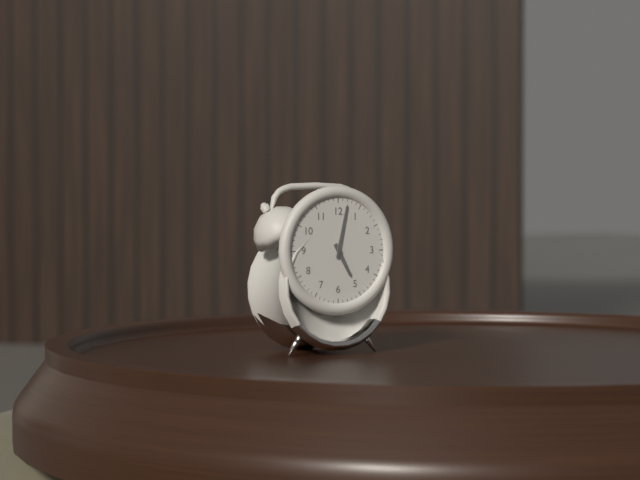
5.02
